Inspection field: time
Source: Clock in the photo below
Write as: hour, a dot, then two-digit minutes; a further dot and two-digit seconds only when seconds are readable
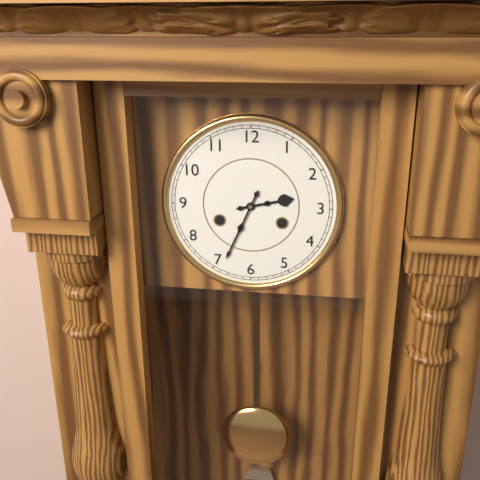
2.34
